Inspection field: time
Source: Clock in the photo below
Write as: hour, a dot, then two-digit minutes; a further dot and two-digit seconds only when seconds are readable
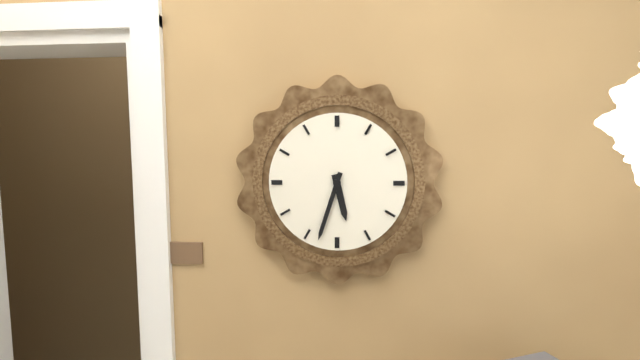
5.33
